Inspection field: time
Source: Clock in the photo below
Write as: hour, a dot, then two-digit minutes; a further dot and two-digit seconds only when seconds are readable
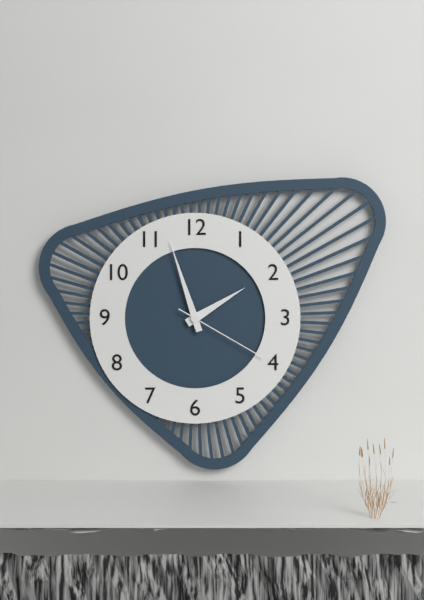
1.57.20
